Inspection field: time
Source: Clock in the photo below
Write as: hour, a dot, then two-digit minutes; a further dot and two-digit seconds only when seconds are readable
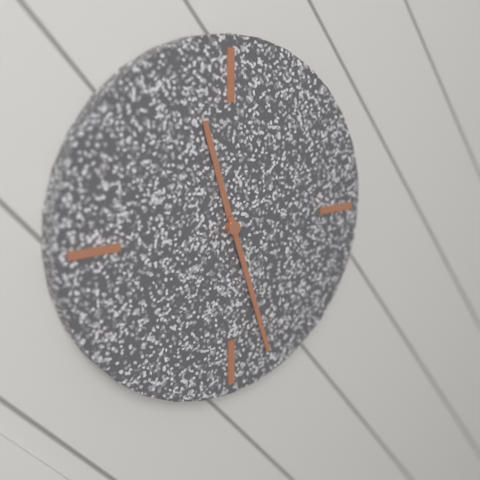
11.27
